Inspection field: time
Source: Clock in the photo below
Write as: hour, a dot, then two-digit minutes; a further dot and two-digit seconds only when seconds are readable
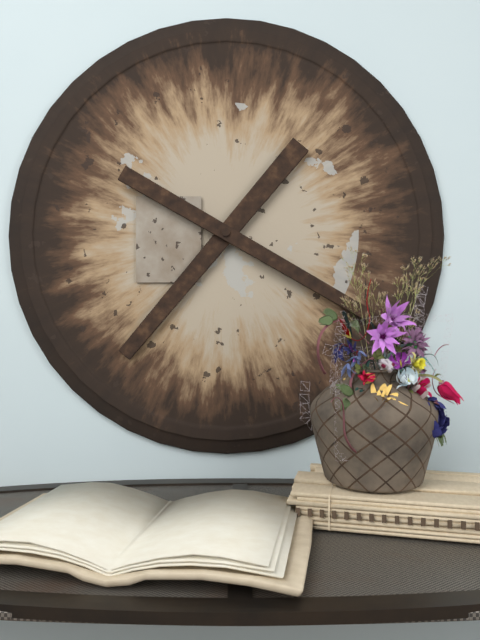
7.20
